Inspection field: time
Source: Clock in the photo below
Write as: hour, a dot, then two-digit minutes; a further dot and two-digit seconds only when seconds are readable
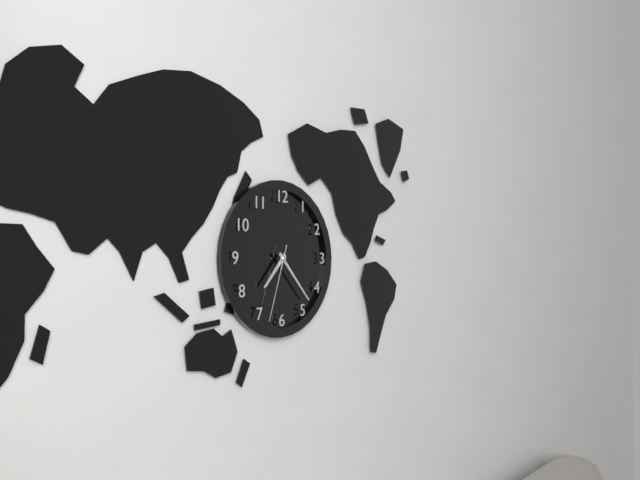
7.23.33
